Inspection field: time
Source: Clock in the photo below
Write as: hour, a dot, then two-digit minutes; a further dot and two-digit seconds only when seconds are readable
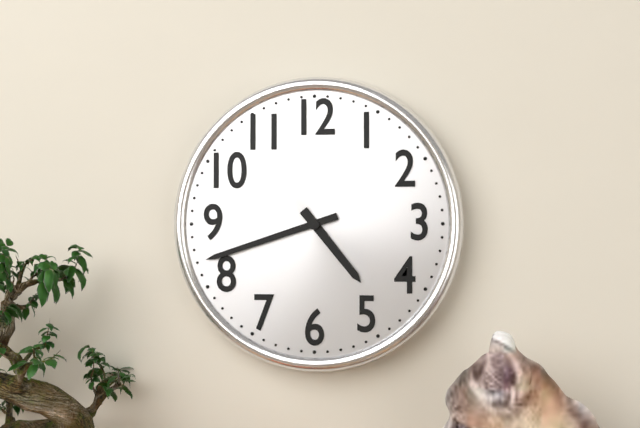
4.42
